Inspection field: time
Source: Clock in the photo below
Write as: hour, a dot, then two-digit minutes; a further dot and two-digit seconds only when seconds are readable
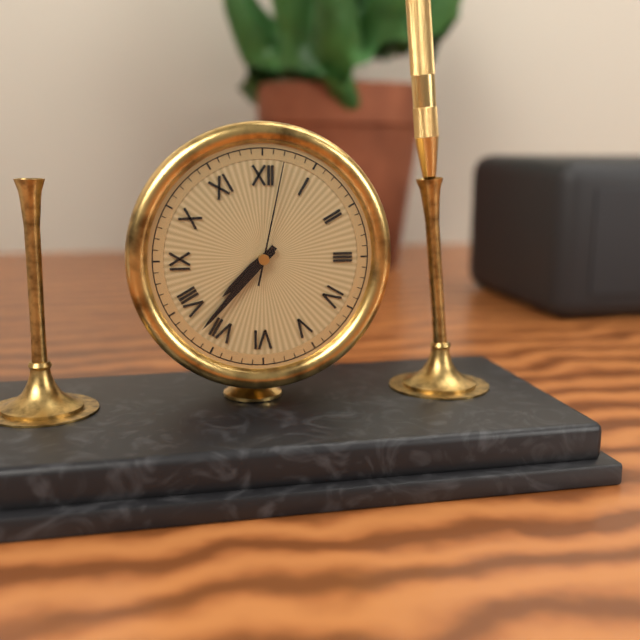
7.37.02
